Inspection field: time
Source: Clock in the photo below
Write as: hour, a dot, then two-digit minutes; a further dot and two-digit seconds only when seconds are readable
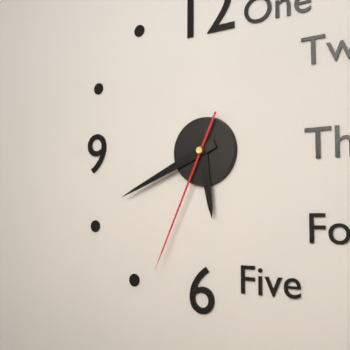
5.41.34
